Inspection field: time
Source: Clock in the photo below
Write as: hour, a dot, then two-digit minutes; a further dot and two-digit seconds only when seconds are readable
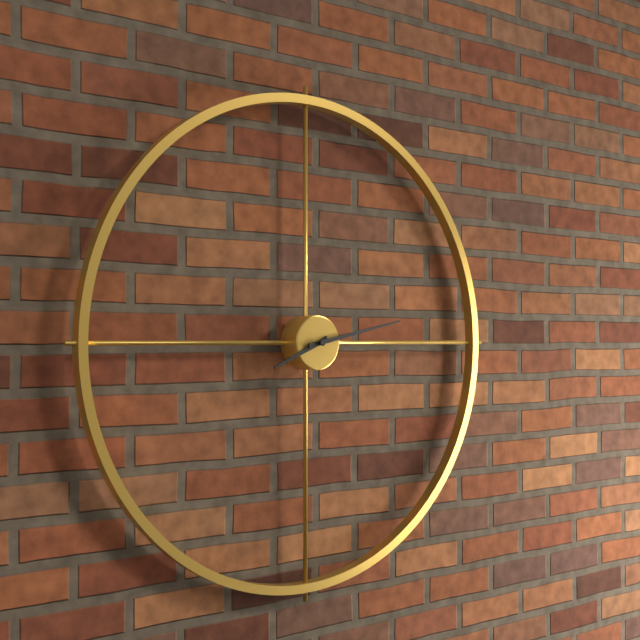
8.13
